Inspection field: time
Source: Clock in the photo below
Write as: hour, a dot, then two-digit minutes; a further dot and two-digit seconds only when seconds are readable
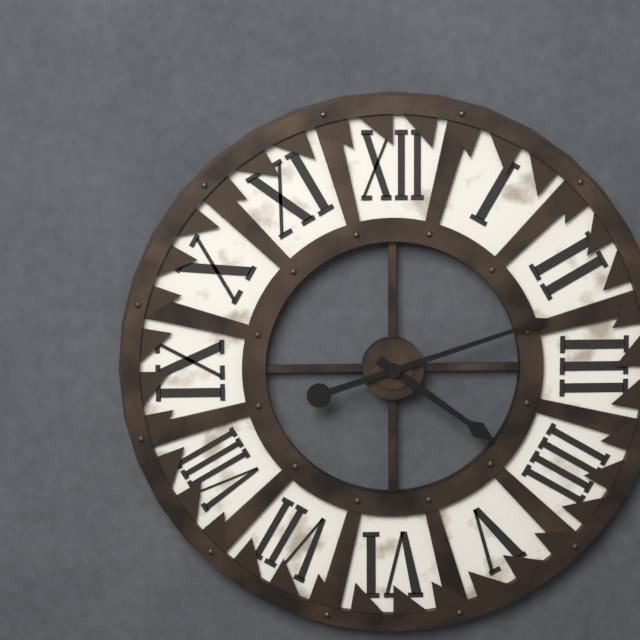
4.12
